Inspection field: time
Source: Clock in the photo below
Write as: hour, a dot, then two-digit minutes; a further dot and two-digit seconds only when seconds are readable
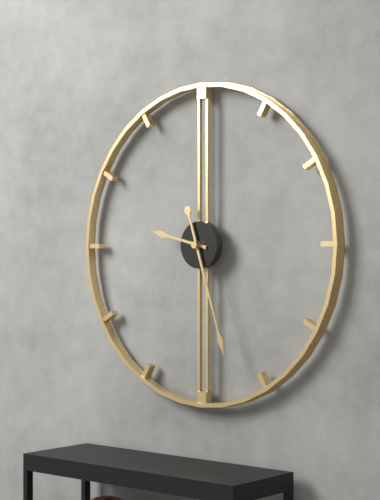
9.27
